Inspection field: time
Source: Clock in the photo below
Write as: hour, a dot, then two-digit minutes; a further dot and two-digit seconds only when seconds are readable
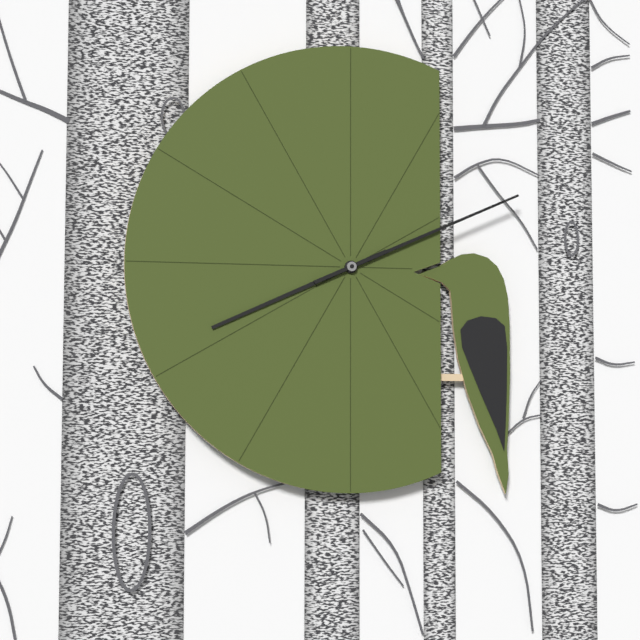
8.11
